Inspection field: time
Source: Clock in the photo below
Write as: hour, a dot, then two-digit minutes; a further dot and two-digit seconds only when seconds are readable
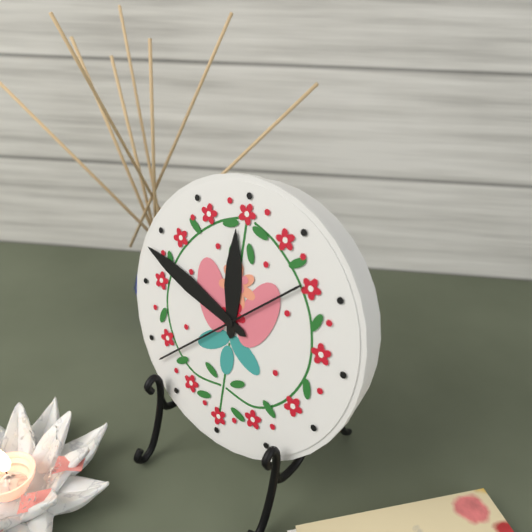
11.48.38
